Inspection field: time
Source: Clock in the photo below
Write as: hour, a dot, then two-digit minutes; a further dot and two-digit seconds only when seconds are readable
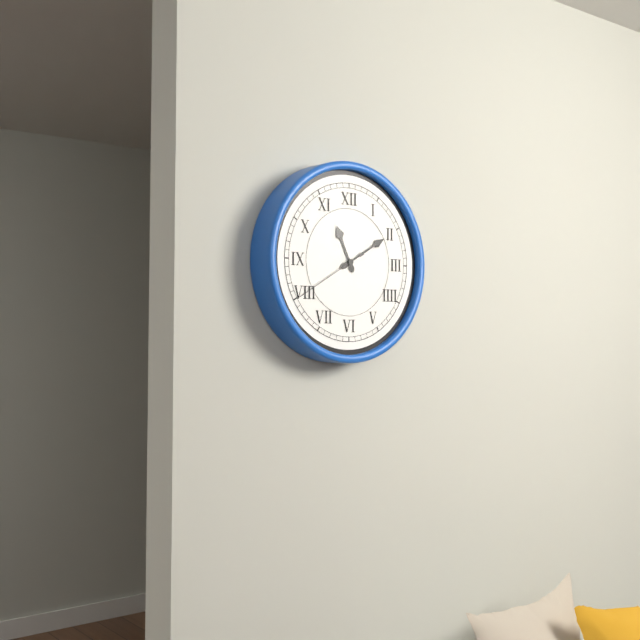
11.10.40
